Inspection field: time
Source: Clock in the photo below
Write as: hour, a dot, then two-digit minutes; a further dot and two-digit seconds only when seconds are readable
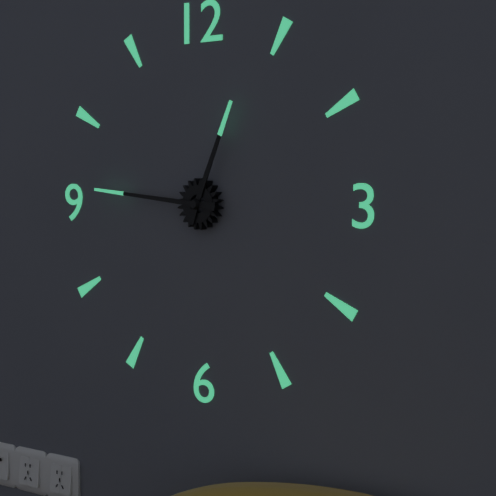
12.46
